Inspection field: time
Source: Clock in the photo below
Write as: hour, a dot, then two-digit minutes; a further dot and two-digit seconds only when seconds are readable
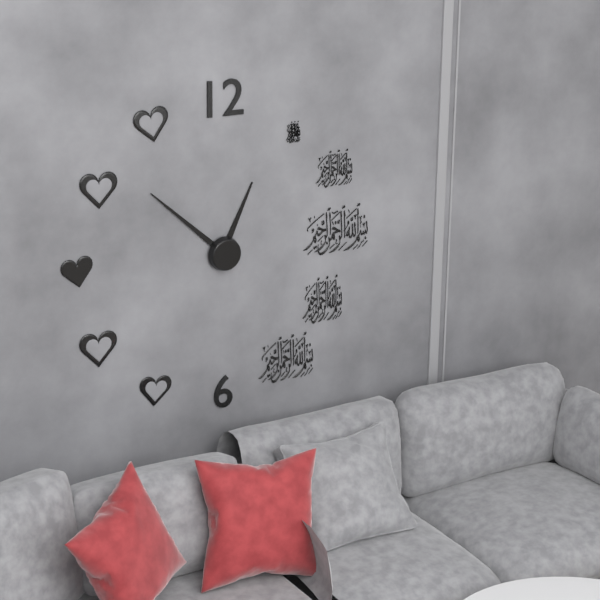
12.52
